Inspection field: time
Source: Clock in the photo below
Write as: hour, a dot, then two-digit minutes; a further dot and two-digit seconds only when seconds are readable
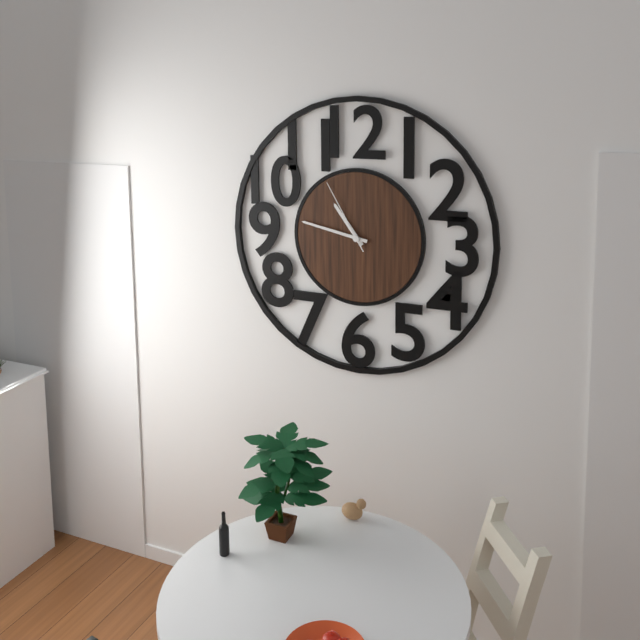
10.47.55
